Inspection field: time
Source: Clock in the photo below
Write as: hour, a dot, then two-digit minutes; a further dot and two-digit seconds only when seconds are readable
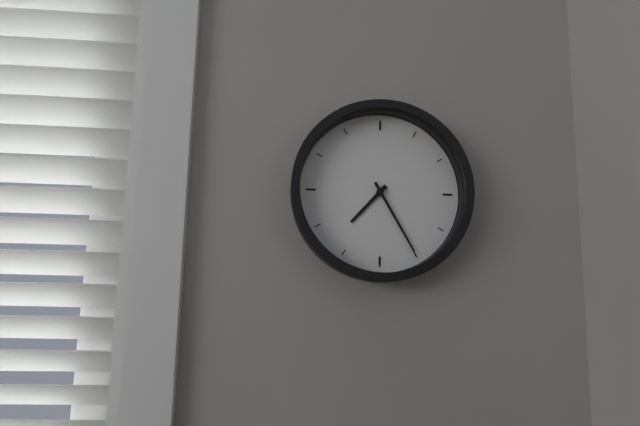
7.25
